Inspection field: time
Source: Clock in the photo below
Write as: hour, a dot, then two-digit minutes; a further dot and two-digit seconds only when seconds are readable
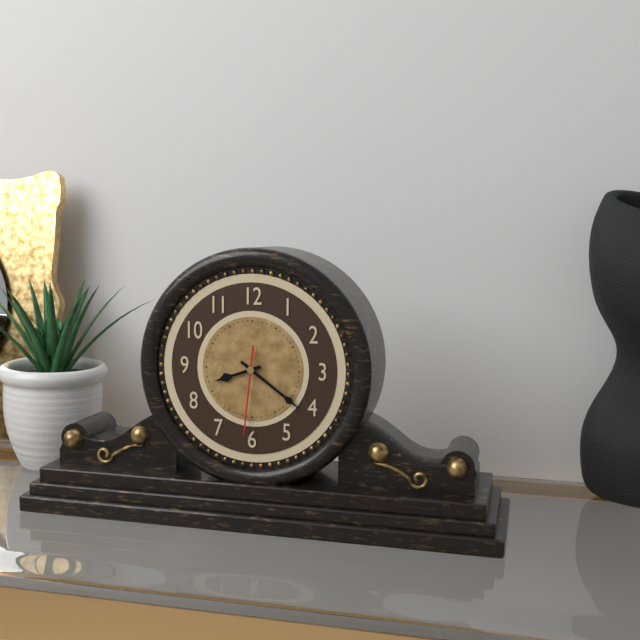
8.21.31
